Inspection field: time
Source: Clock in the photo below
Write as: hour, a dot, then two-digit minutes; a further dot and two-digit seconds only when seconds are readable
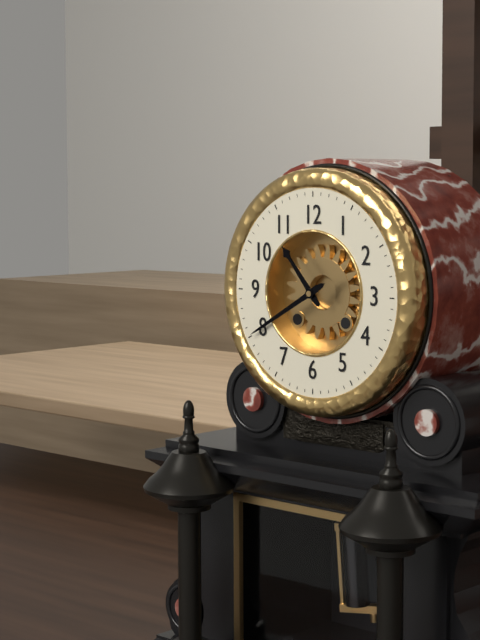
10.40
